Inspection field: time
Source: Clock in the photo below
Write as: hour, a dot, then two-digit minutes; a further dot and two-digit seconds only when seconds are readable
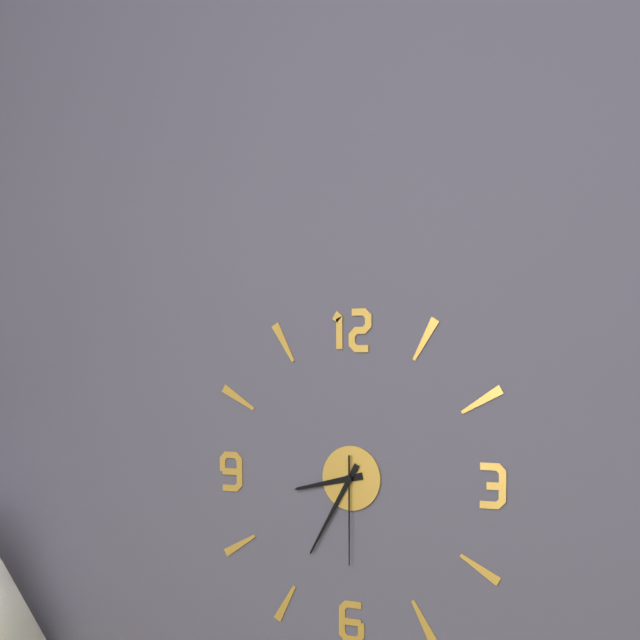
8.35.30
